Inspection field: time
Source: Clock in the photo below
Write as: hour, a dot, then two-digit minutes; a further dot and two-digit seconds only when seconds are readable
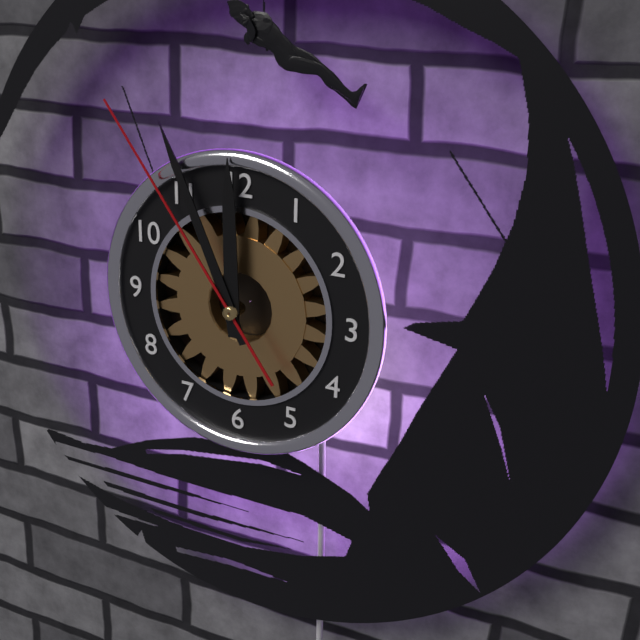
11.56.54
